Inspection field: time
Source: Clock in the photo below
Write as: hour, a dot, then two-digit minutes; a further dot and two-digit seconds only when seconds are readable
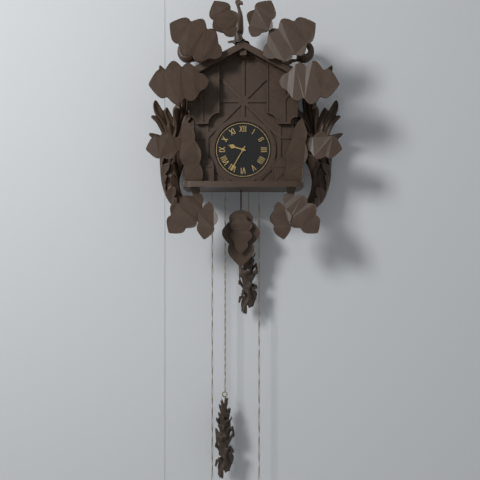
9.35
